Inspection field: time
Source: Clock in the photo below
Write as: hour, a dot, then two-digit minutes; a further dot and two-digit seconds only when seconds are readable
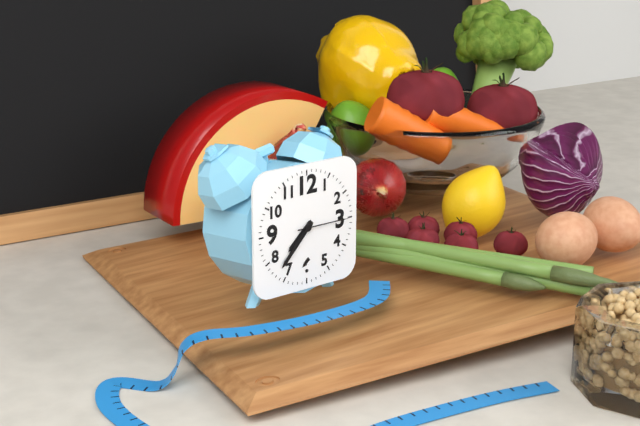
7.37.15
